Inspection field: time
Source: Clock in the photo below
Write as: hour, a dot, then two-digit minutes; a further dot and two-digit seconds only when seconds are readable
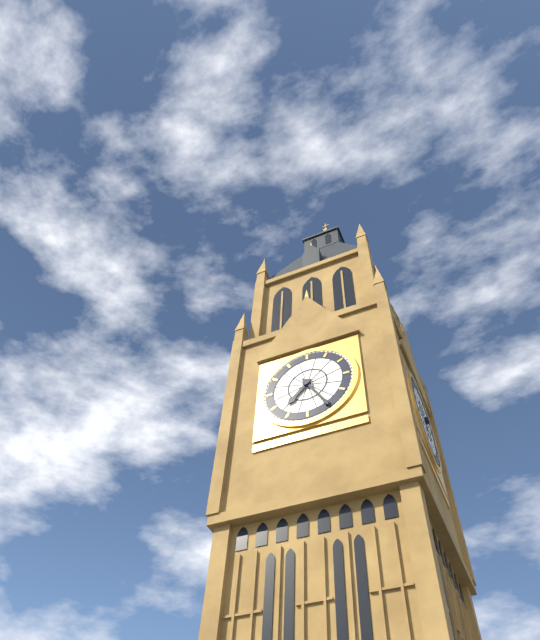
7.25
